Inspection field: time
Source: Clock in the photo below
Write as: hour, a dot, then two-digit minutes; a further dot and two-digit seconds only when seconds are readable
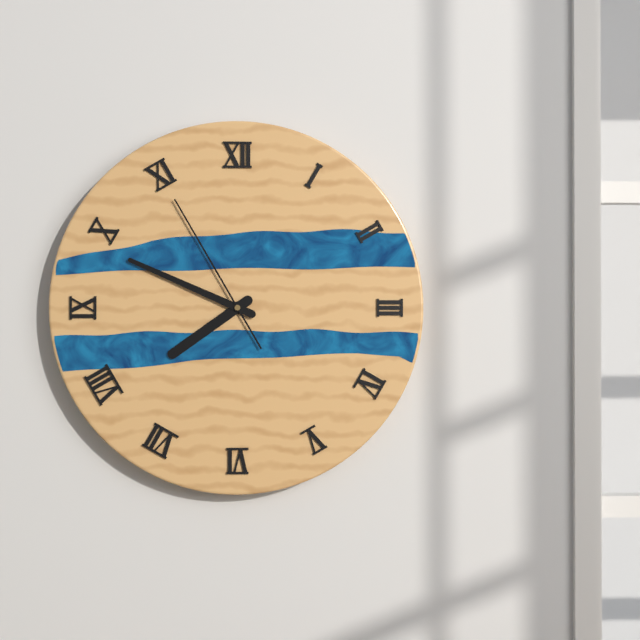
7.49.55
